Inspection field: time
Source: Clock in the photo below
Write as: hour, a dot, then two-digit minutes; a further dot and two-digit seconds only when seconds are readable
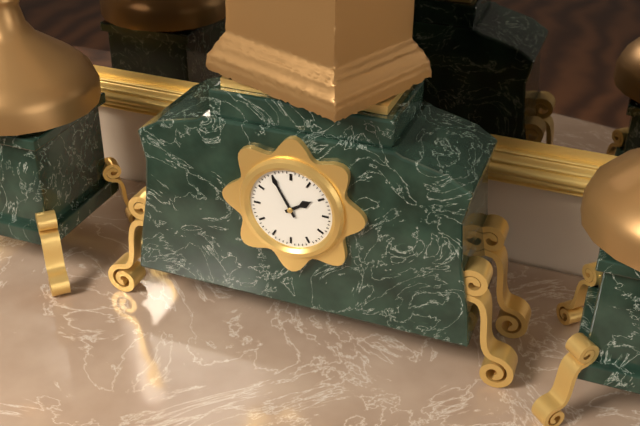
1.55
